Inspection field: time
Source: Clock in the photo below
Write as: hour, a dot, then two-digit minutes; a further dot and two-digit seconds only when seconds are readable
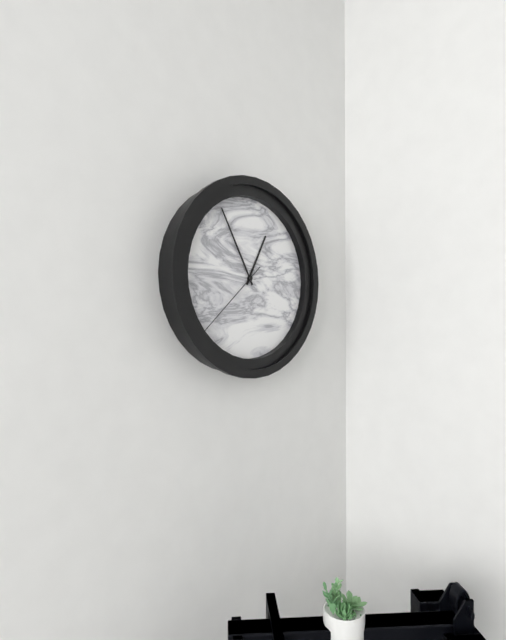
12.55.38
